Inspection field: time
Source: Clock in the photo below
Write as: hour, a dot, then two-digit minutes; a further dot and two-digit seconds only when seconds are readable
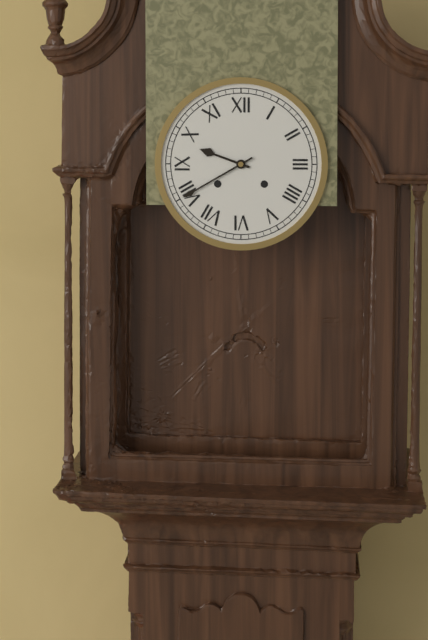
9.40
